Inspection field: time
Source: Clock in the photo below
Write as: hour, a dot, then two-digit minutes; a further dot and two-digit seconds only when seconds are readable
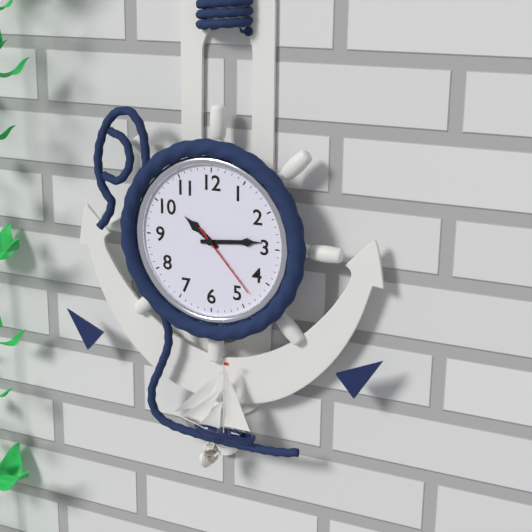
10.14.23
